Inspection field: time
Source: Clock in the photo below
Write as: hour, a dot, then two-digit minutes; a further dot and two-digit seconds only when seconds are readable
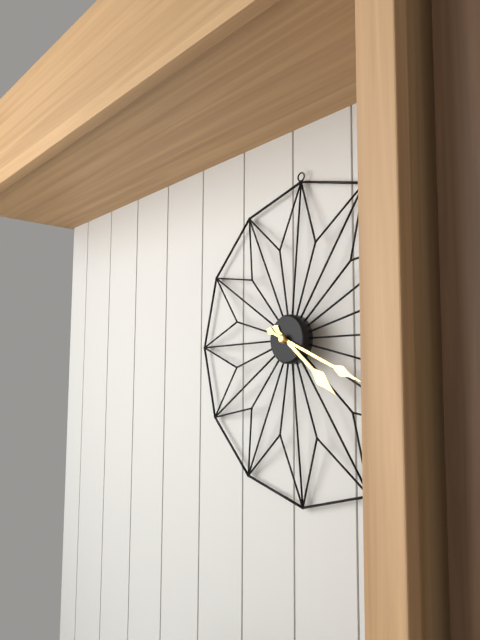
4.19
